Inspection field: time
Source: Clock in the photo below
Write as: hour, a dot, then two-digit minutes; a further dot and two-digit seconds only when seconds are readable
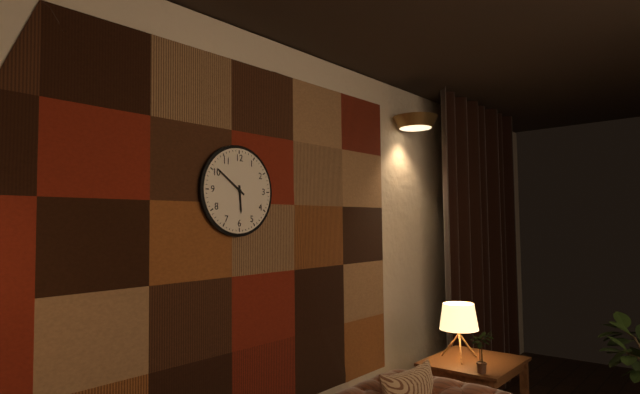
5.51
